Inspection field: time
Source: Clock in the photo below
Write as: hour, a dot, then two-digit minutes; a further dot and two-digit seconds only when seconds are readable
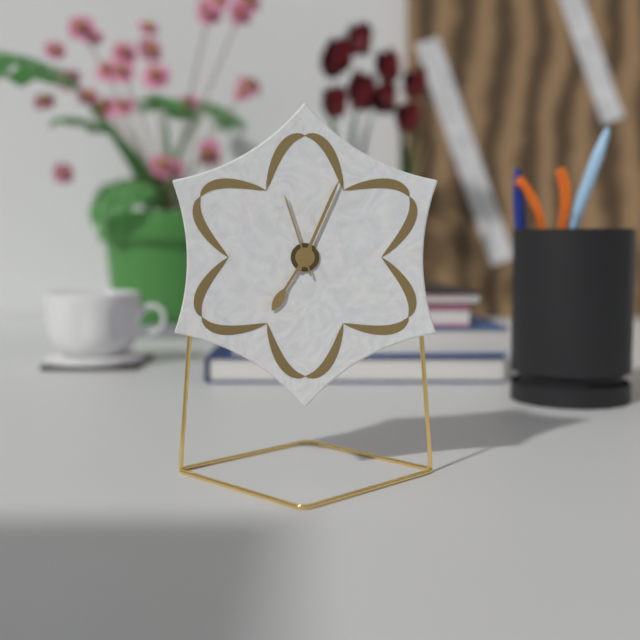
7.04.57
